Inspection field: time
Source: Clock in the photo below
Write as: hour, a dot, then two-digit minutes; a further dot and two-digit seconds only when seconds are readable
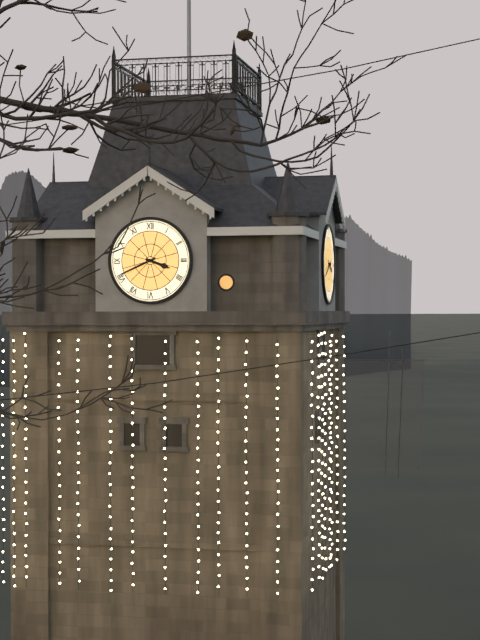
3.41
